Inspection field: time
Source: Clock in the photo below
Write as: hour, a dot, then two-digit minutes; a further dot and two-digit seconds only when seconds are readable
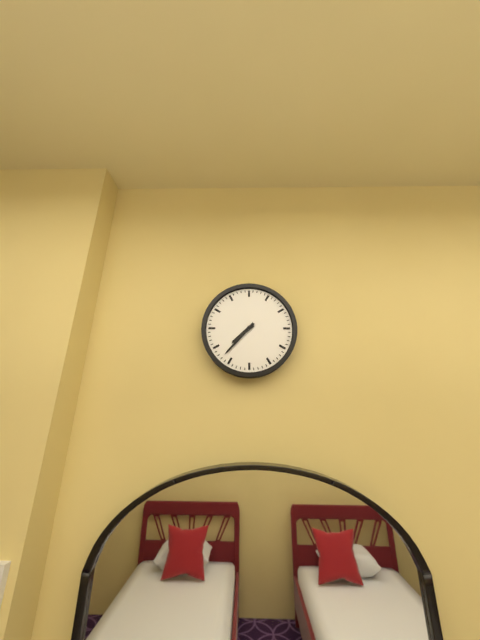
7.37
